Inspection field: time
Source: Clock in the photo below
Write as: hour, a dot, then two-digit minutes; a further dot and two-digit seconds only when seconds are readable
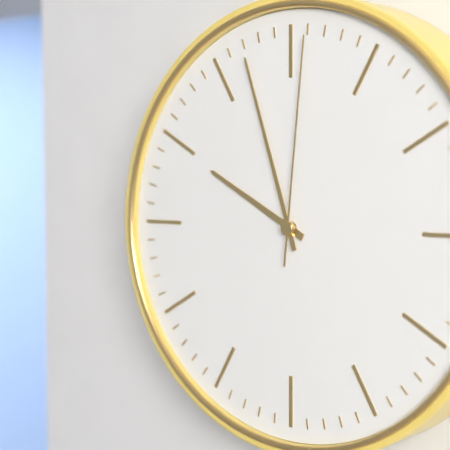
9.57.01
